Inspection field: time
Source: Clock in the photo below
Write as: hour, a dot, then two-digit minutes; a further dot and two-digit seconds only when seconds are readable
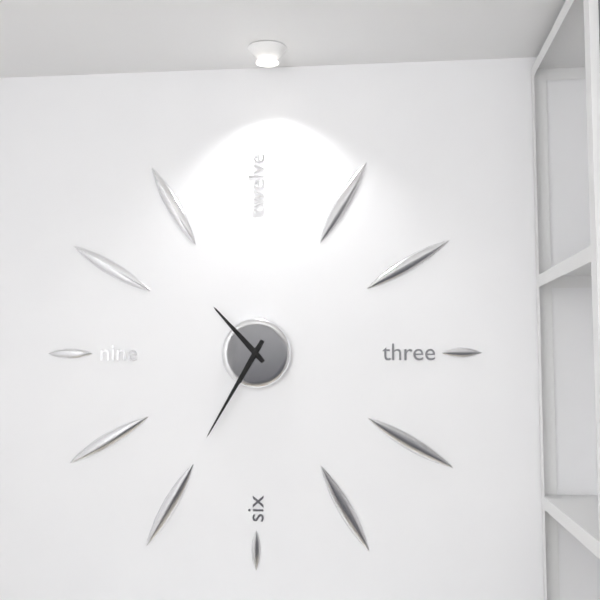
10.35
